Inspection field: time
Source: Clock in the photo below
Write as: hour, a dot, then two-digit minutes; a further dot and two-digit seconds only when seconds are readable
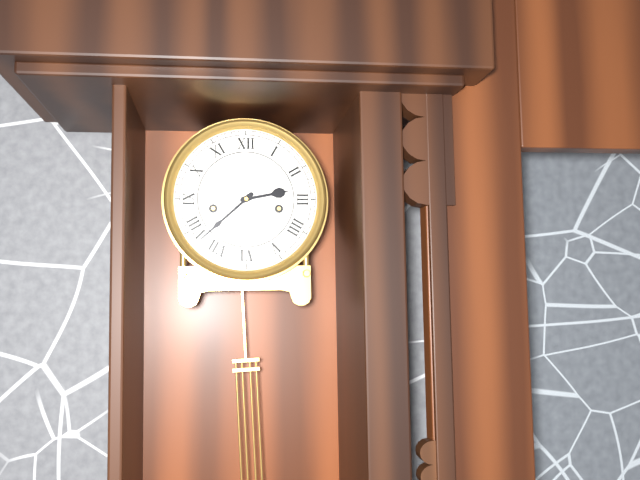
2.38
